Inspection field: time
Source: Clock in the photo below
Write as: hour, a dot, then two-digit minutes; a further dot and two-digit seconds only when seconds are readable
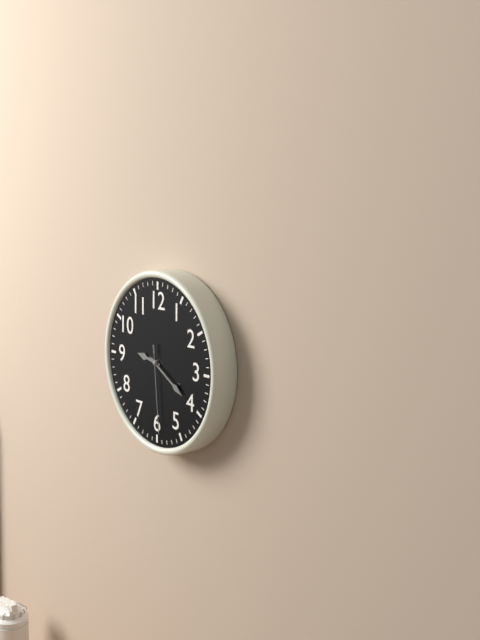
9.20.29
